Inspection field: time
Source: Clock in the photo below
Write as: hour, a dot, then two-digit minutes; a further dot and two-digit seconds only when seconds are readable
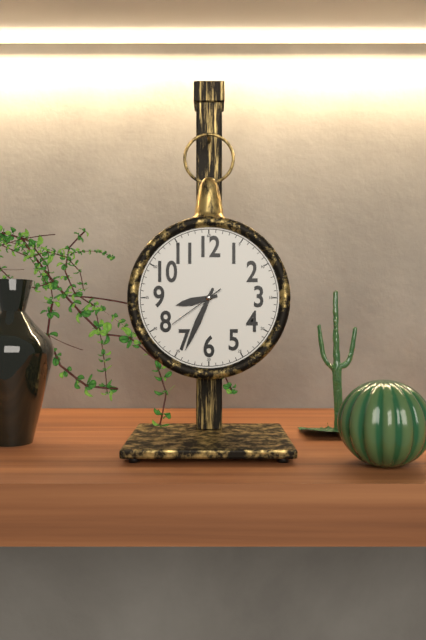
8.34.39
